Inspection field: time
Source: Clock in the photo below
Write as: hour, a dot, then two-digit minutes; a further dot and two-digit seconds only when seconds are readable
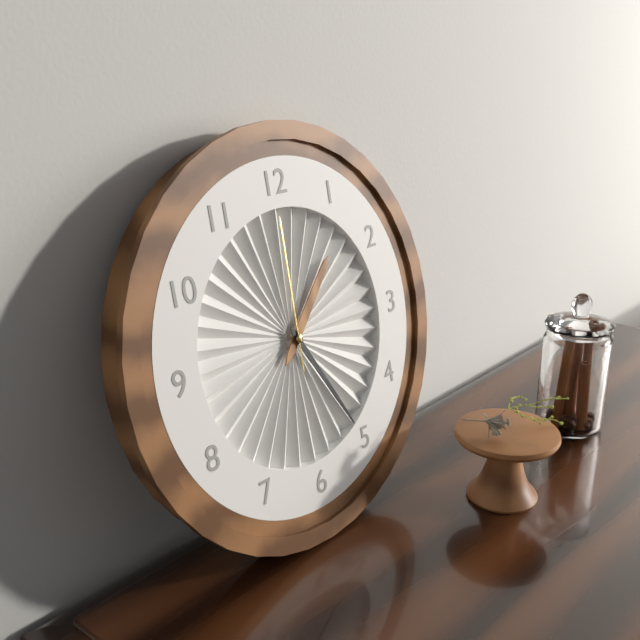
1.25.00
